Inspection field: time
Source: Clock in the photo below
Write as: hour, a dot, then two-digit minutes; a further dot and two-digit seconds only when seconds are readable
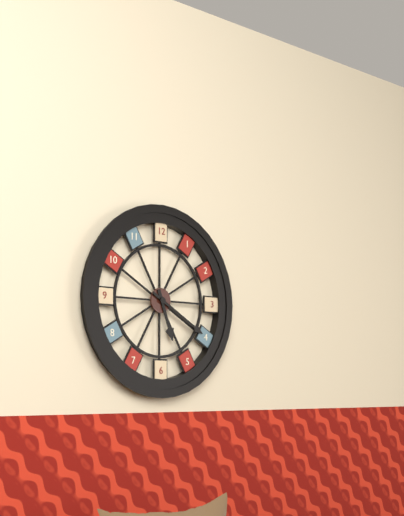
5.20
